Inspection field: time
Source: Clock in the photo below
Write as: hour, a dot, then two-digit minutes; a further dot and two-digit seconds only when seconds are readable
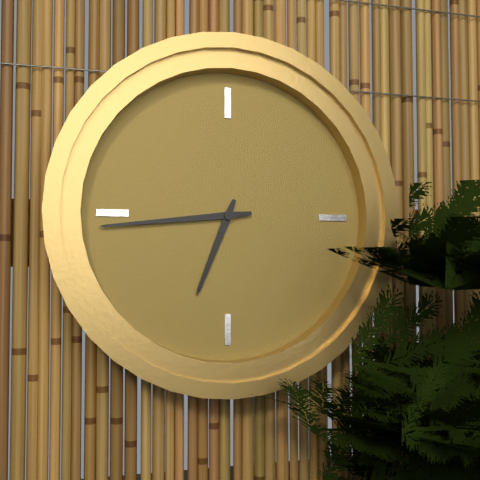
6.44
